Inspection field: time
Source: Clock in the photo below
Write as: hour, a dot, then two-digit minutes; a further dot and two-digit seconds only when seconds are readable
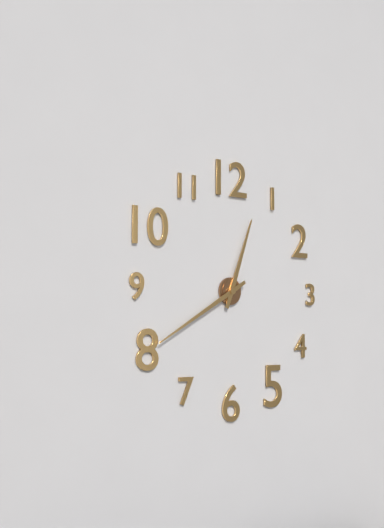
12.40
